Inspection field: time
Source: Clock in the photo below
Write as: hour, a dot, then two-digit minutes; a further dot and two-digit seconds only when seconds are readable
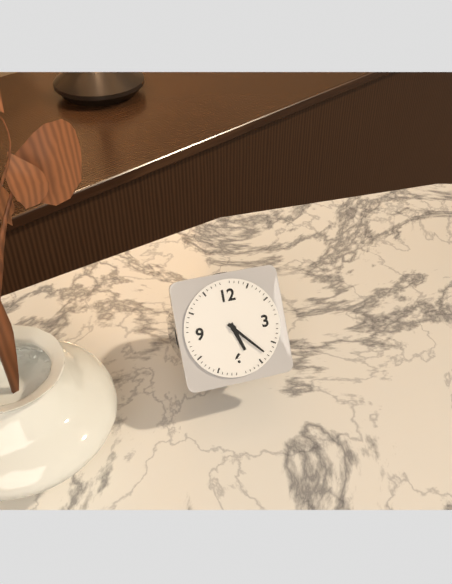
5.23
